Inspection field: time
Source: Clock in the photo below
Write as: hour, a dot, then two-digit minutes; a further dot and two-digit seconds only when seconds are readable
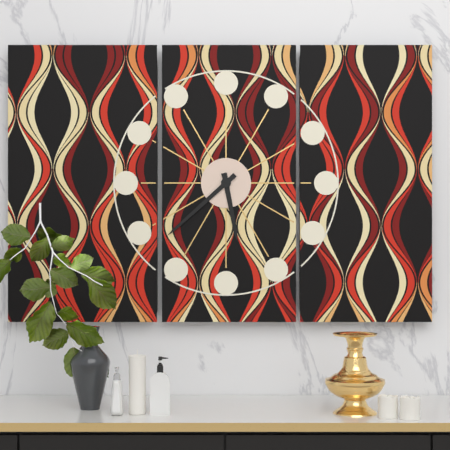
5.38
